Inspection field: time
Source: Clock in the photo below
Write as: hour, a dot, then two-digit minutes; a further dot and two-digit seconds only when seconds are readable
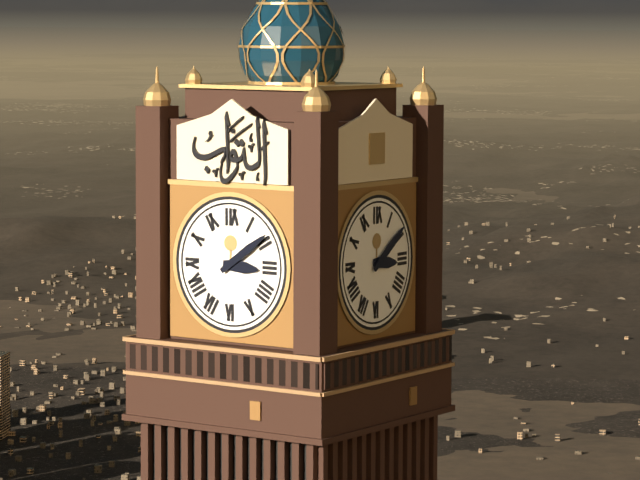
3.09
